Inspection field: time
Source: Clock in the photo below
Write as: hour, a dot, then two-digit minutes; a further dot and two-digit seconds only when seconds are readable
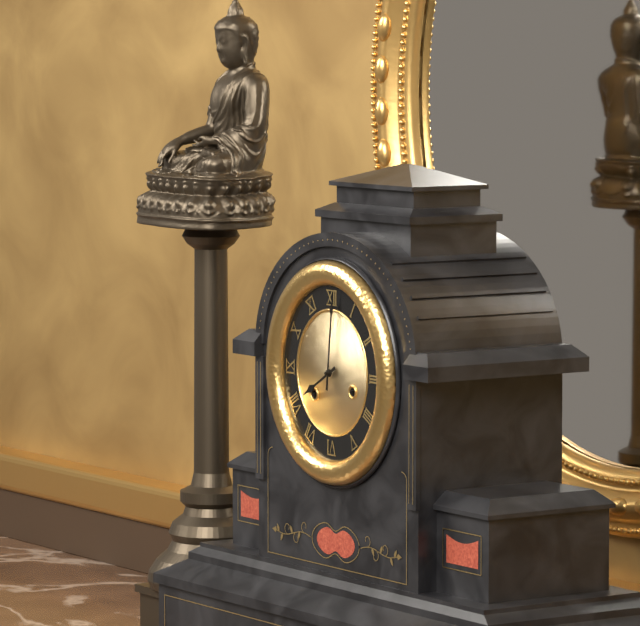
8.01
